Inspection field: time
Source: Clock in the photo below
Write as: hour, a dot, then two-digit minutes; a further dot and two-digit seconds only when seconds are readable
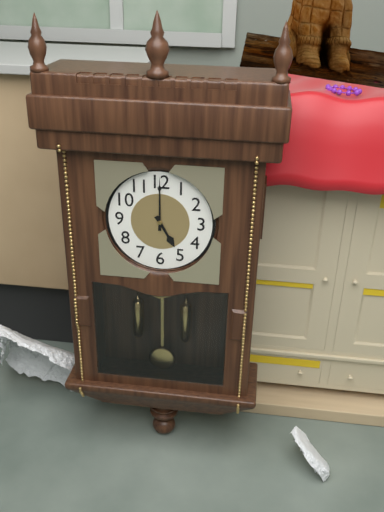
5.00
